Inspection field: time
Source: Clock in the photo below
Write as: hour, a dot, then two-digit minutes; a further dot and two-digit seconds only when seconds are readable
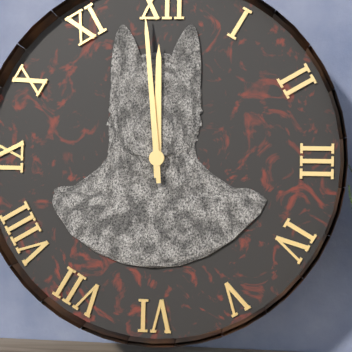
11.59
